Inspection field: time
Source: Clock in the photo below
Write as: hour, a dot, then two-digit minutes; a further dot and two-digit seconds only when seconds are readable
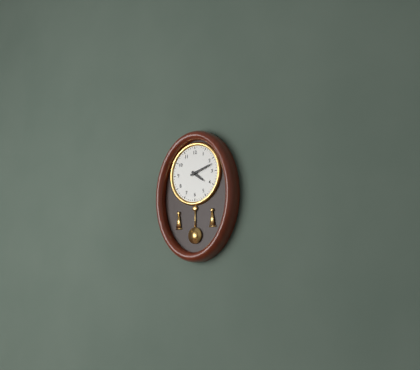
4.12
